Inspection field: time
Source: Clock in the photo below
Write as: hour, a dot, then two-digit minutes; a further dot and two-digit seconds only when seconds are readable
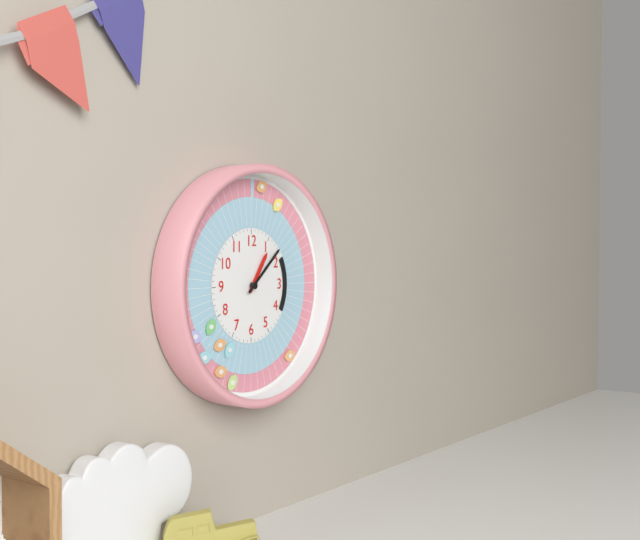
1.08
